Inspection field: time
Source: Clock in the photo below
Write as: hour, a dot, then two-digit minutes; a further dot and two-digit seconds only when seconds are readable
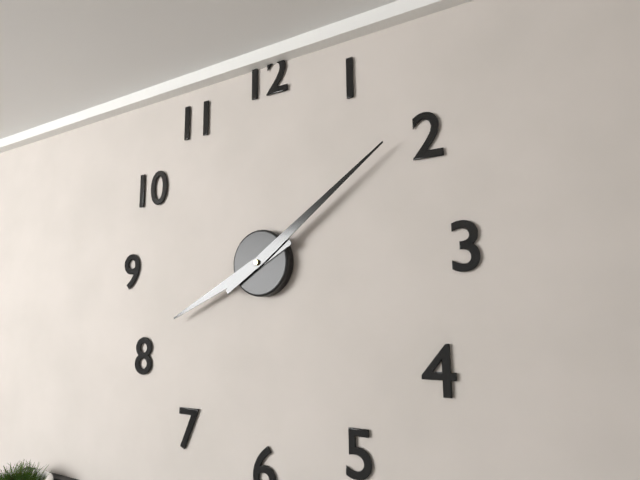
8.09
